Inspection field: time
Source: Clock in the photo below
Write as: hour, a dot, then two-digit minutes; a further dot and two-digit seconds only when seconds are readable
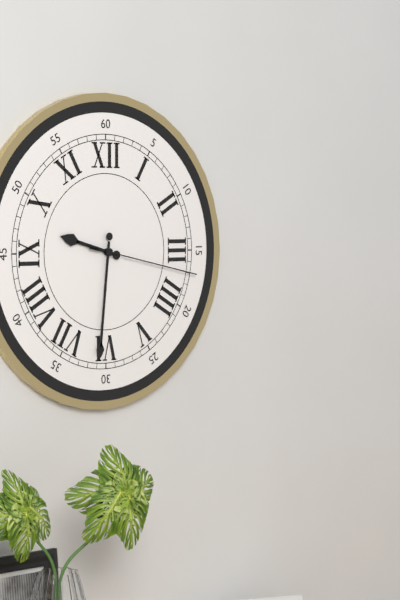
9.31.17
